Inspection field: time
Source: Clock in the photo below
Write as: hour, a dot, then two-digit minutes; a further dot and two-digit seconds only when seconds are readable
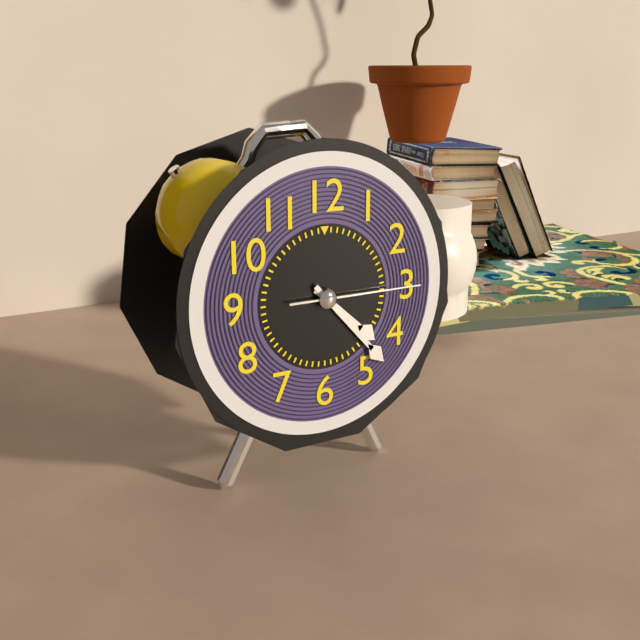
4.23.15
